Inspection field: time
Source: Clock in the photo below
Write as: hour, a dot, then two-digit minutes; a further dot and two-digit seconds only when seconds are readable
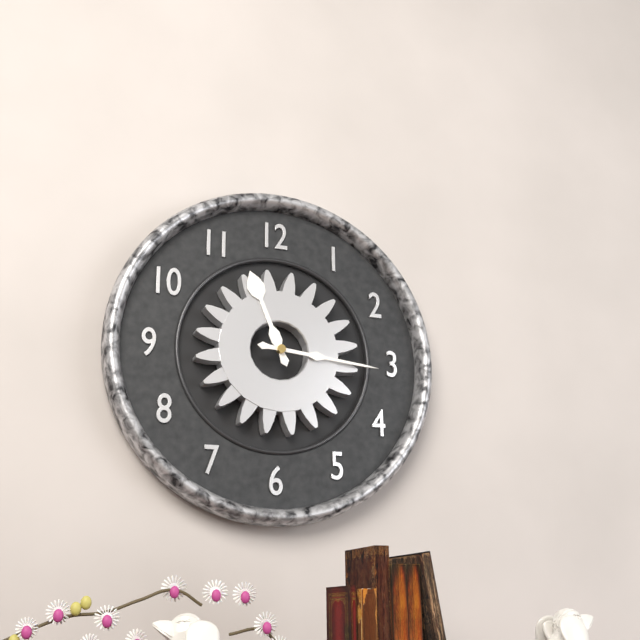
11.16
